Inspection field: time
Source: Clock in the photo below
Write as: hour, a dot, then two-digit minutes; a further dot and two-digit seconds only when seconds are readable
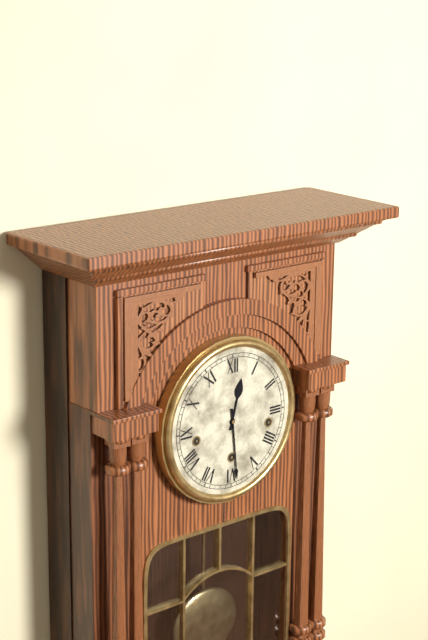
12.29
